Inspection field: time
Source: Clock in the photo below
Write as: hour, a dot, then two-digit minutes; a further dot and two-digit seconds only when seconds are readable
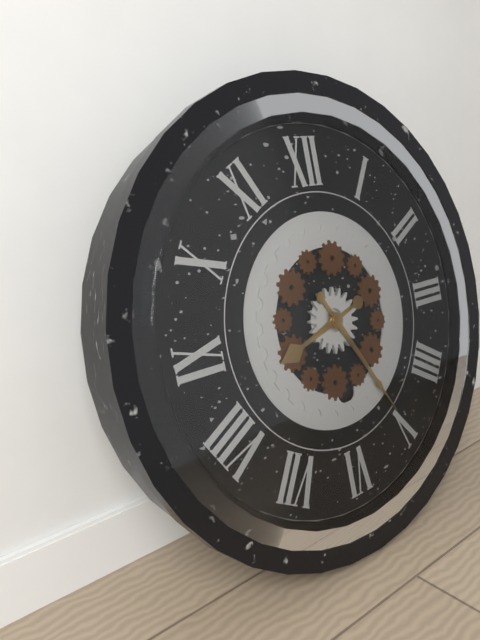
8.25
